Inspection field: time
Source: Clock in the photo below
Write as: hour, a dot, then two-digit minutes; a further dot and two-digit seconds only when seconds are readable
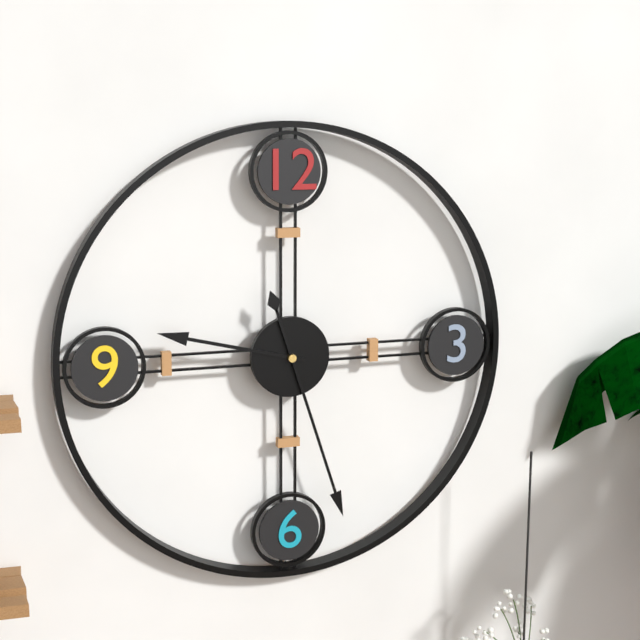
9.27
